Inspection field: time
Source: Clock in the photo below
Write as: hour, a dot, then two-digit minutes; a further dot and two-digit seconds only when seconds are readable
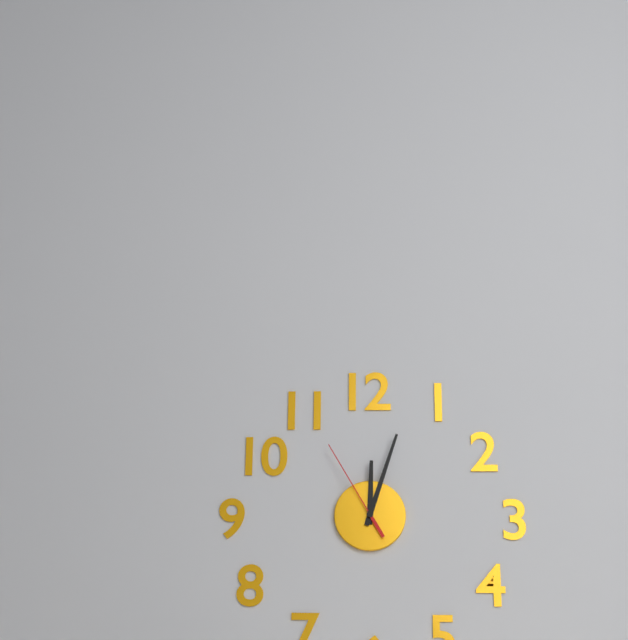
12.03.55
